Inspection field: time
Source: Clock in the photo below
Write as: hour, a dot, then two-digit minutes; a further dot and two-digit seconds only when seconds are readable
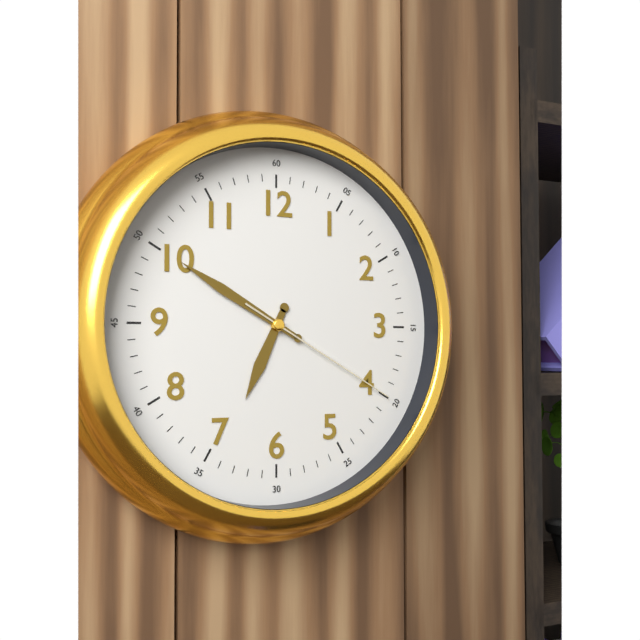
6.50.20
